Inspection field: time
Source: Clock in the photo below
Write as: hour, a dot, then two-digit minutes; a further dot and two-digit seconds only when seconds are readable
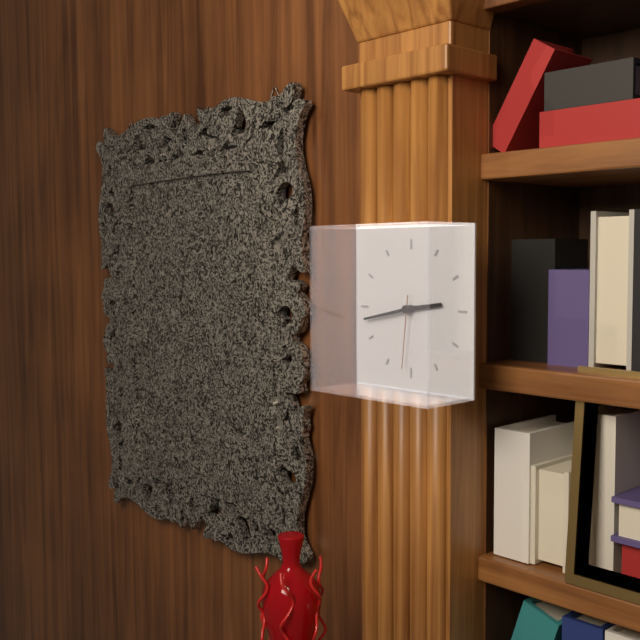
2.43.31
